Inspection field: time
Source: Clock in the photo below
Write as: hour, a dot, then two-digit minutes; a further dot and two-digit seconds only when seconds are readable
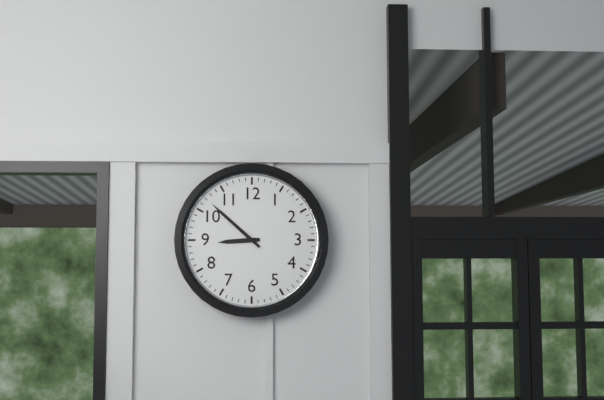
8.52
